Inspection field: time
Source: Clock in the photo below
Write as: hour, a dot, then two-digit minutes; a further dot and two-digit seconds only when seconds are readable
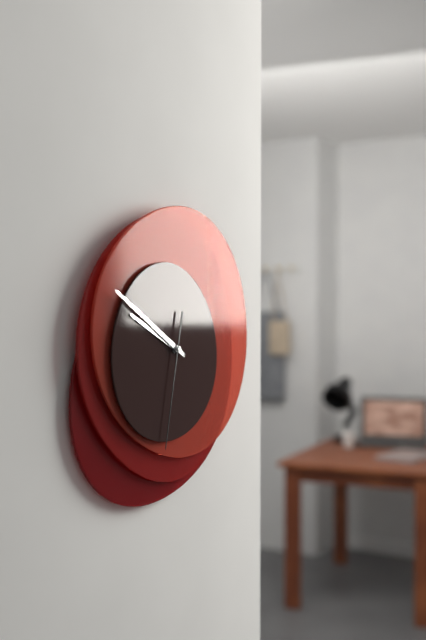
9.50.32
